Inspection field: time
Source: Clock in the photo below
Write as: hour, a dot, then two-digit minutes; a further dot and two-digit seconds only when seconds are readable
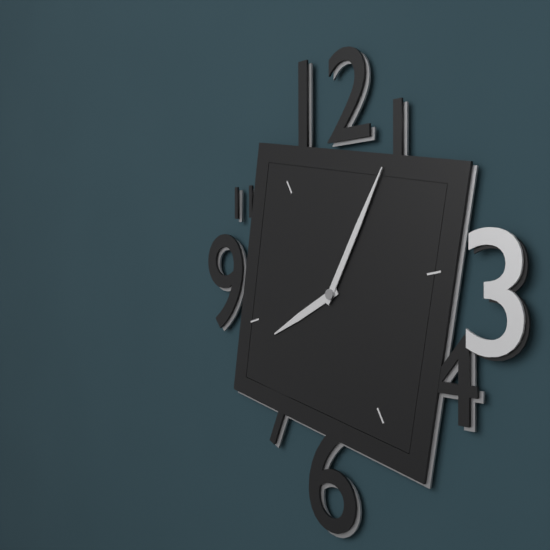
8.05
